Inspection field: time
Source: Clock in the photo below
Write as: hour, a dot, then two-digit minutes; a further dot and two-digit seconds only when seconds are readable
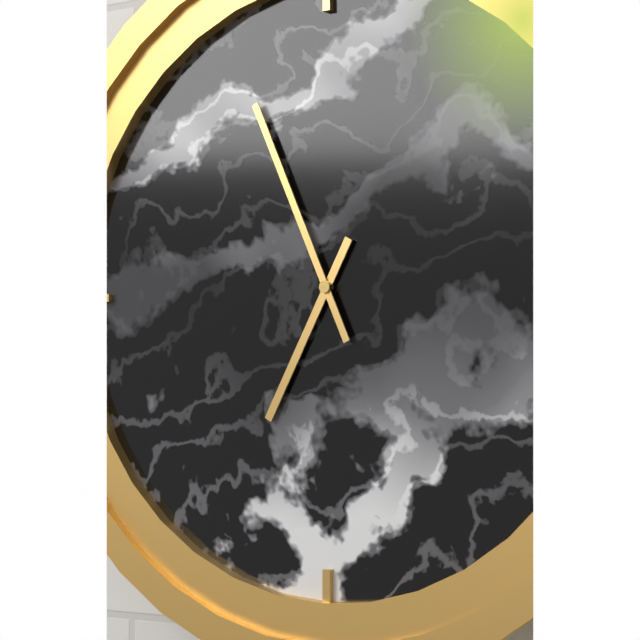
6.56
